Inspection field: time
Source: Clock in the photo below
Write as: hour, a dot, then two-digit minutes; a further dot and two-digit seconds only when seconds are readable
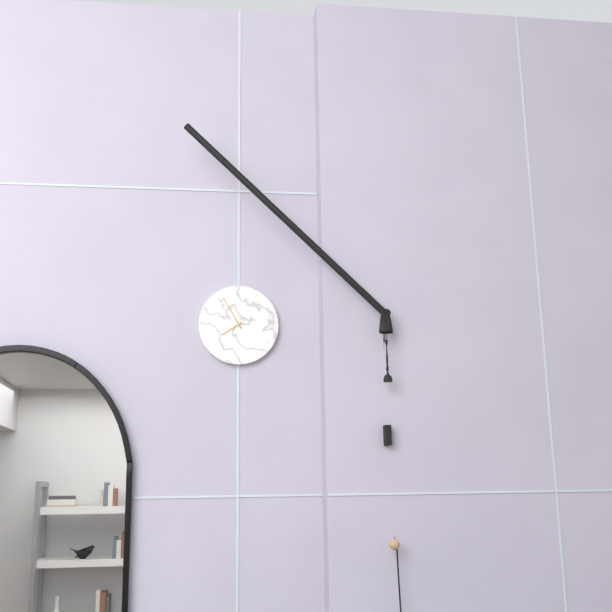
7.55
